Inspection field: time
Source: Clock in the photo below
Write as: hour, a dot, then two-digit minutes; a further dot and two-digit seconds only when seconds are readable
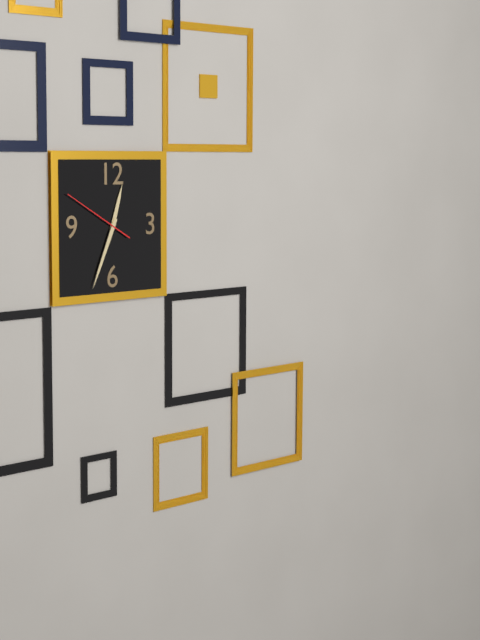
12.34.50
